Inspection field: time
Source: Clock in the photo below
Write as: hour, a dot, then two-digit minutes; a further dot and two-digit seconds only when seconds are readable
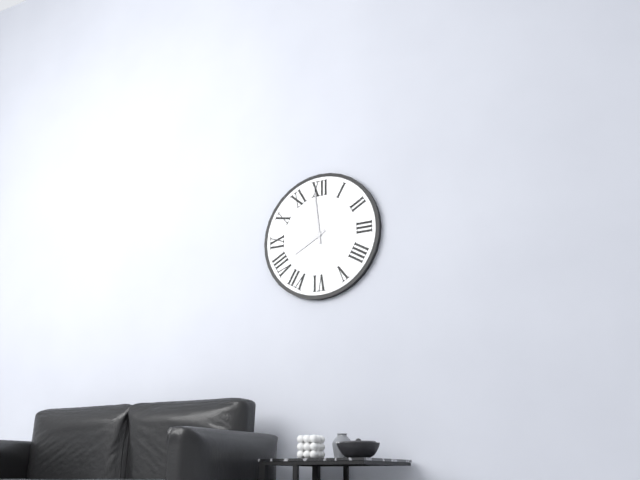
7.59
